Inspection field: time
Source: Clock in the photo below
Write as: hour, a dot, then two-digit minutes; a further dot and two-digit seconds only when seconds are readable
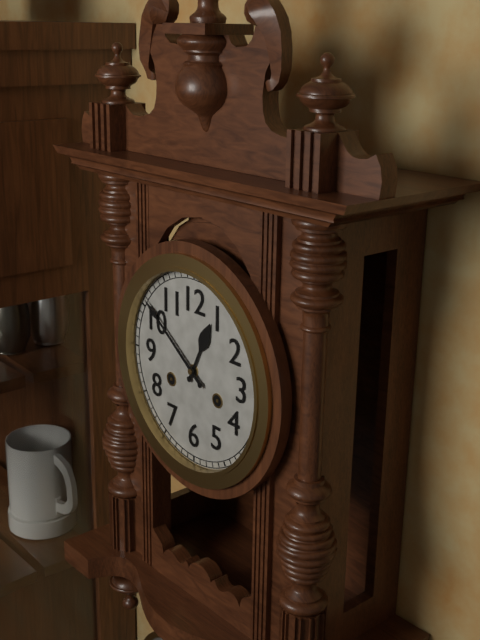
12.51
